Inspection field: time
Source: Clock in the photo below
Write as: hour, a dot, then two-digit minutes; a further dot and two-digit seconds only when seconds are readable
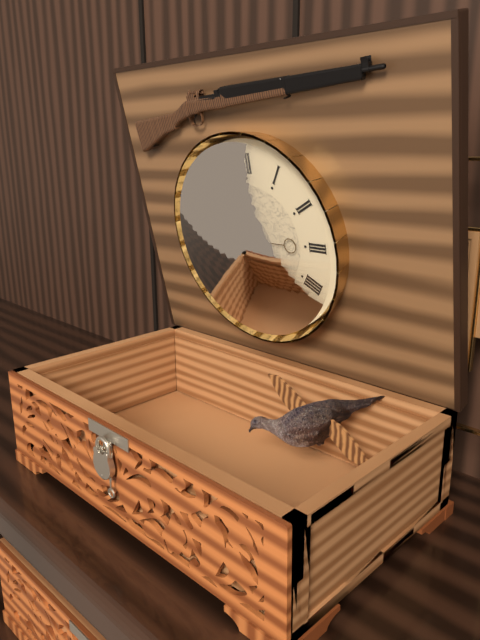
7.40.45
